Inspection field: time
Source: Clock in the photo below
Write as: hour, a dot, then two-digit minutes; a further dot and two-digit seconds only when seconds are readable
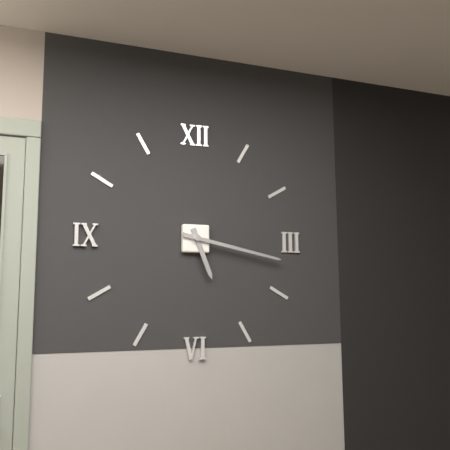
5.17
